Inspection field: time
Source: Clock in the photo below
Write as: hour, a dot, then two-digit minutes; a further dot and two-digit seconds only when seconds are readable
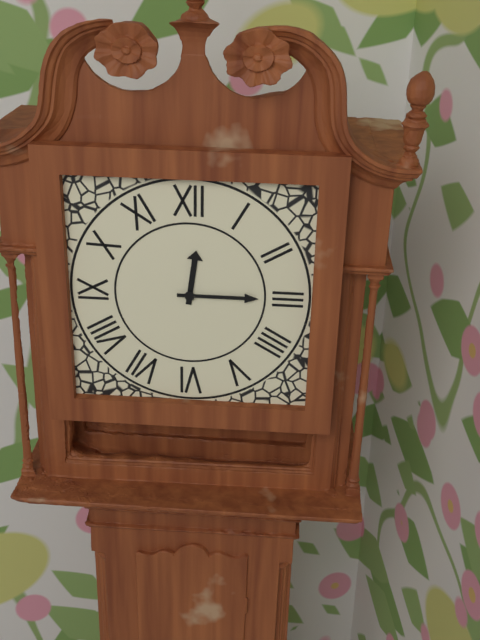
12.15
